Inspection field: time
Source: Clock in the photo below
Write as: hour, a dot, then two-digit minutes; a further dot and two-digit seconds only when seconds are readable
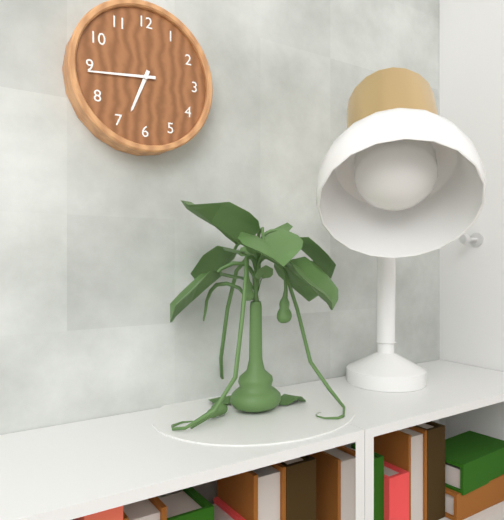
6.44
